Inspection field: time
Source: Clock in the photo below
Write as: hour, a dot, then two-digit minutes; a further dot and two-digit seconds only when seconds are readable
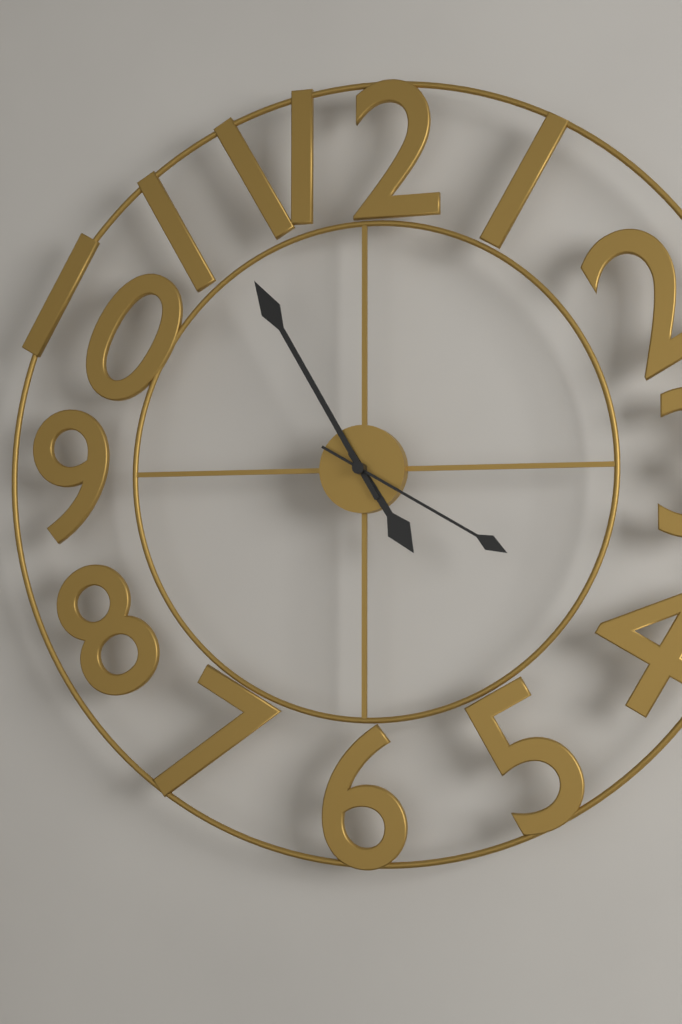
4.55.20
